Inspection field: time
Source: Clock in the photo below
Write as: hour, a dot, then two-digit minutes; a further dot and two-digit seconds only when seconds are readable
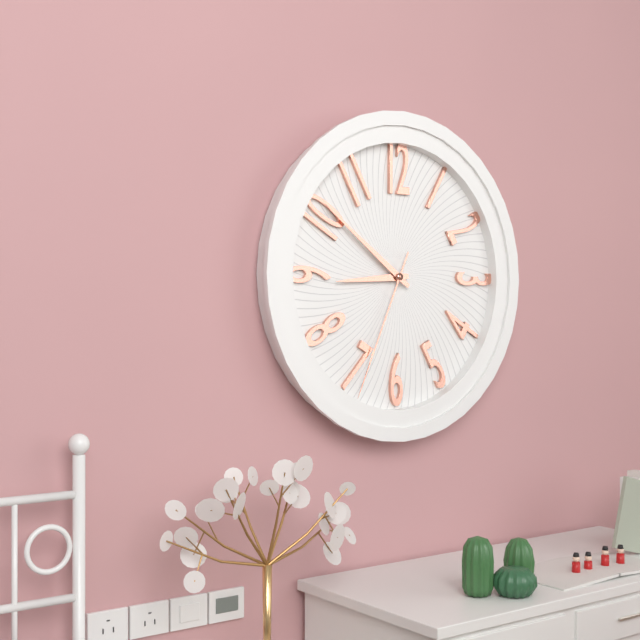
8.51.34
